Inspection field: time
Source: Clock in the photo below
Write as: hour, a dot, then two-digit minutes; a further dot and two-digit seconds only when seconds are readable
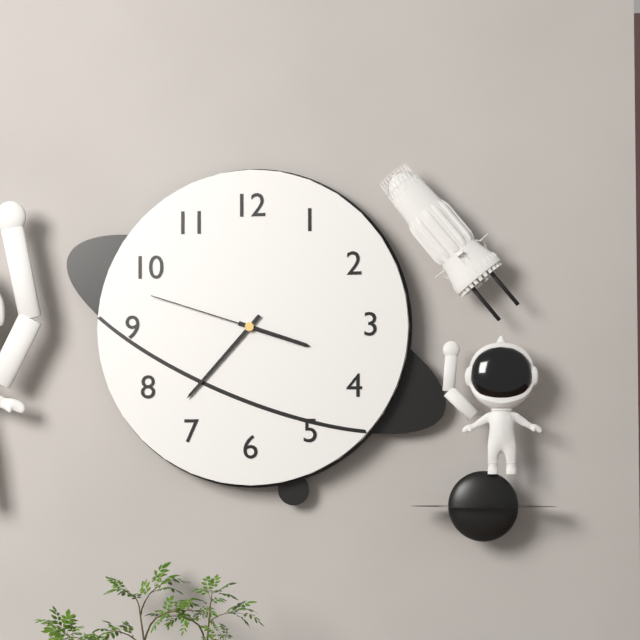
3.37.48
